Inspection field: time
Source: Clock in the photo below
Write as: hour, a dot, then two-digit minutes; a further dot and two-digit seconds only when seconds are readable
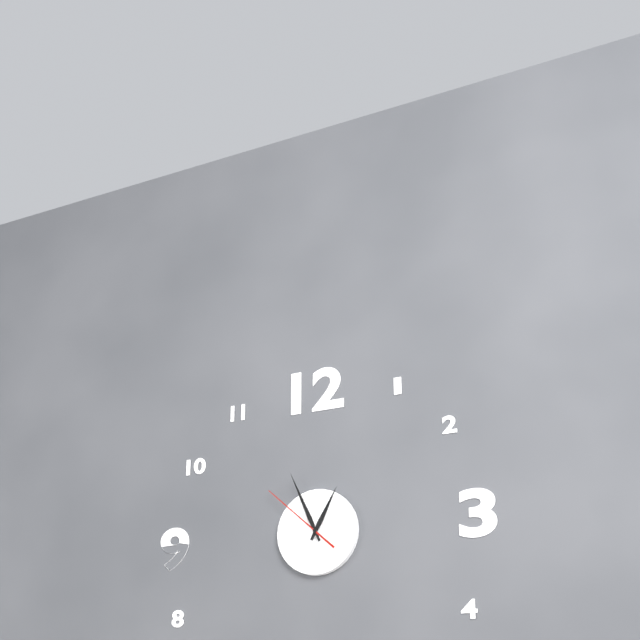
12.56.52
